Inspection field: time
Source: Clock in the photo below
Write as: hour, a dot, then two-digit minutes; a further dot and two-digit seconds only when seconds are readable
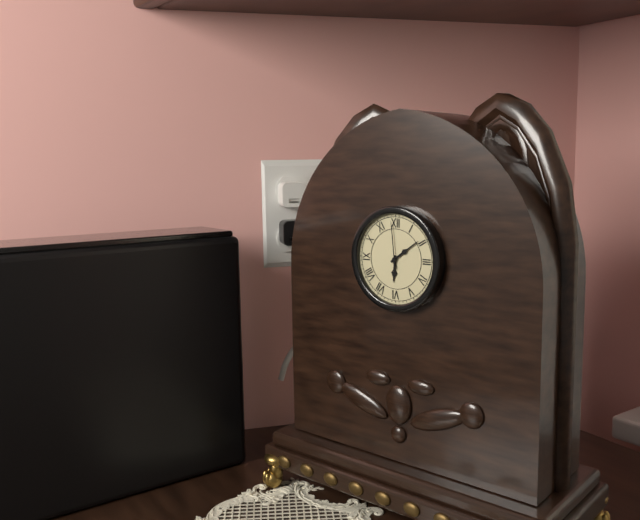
6.09
